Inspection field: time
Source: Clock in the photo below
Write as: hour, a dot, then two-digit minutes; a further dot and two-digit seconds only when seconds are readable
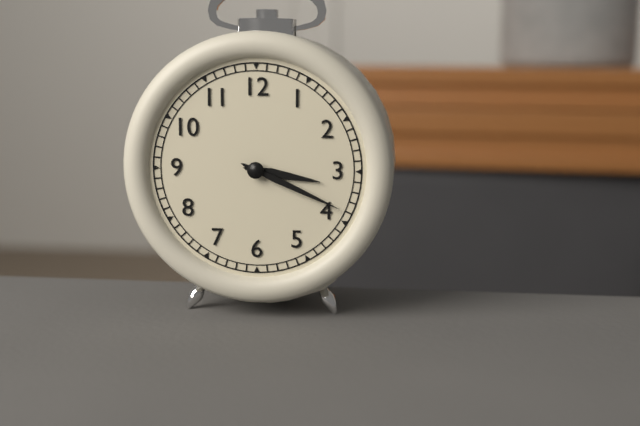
3.19
